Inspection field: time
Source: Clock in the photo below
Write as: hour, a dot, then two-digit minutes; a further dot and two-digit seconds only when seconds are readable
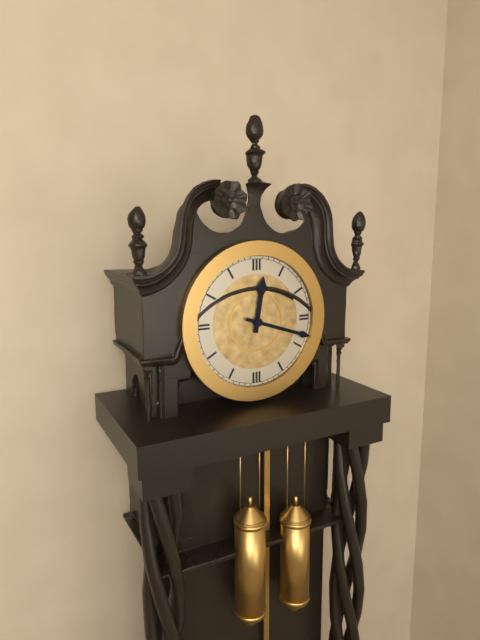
12.18
